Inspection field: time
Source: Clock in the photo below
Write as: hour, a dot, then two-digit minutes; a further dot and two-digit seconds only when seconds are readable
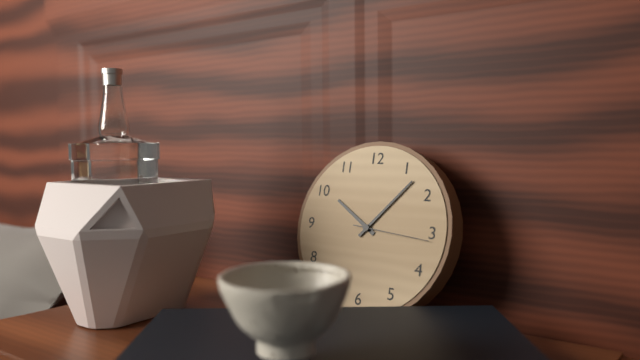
10.07.16
